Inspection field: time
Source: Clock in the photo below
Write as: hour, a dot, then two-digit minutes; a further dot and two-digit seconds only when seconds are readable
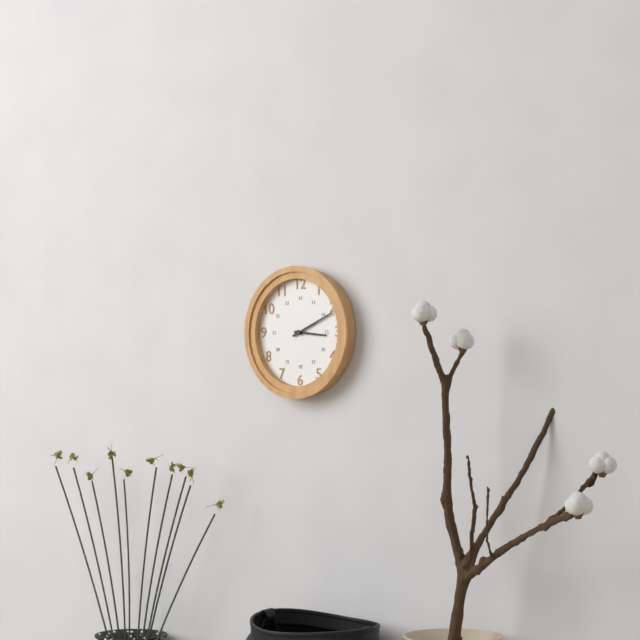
3.11
